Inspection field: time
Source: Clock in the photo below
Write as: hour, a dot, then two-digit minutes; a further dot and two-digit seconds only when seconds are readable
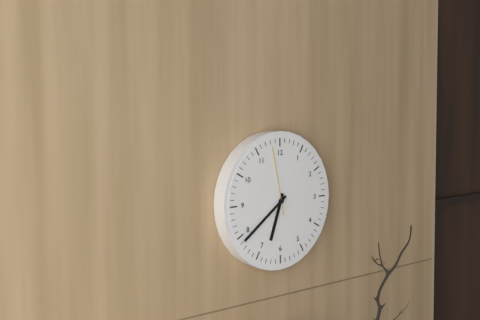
6.39.58
